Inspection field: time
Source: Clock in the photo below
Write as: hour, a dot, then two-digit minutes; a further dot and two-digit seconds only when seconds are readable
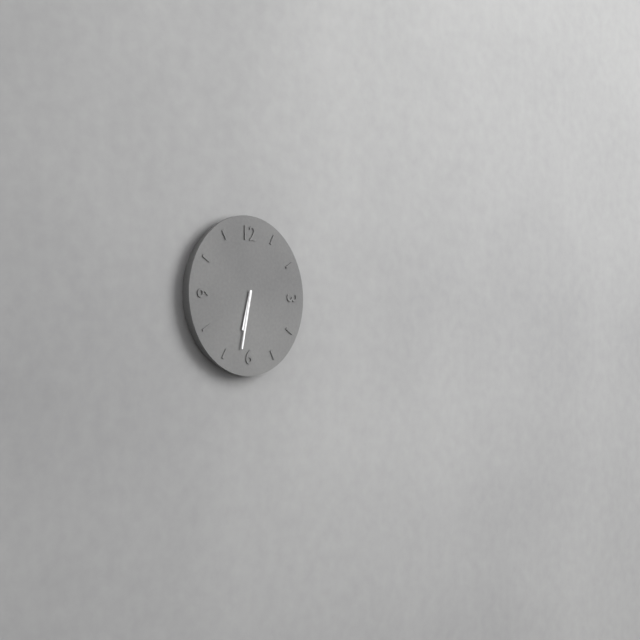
6.32
